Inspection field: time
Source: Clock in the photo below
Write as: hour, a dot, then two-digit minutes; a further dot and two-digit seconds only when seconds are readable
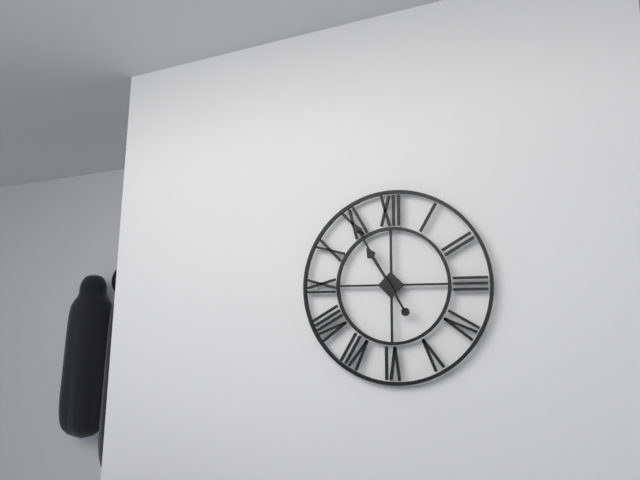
10.55
